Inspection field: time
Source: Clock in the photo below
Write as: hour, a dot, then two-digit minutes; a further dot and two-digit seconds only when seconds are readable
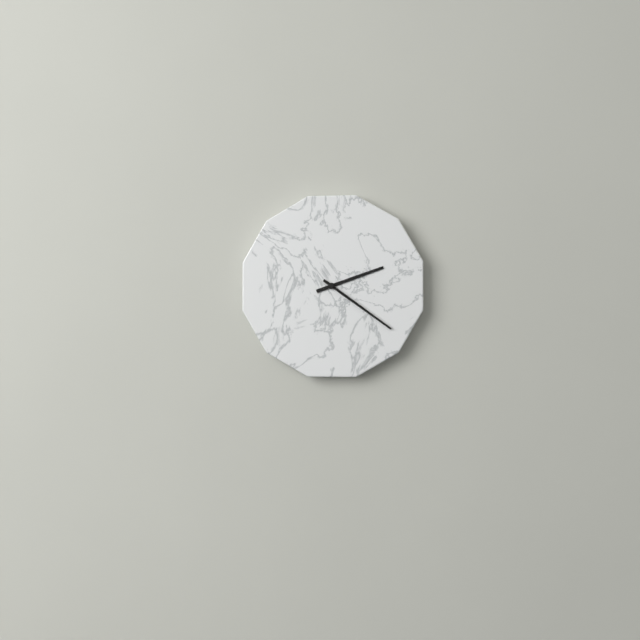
2.21
